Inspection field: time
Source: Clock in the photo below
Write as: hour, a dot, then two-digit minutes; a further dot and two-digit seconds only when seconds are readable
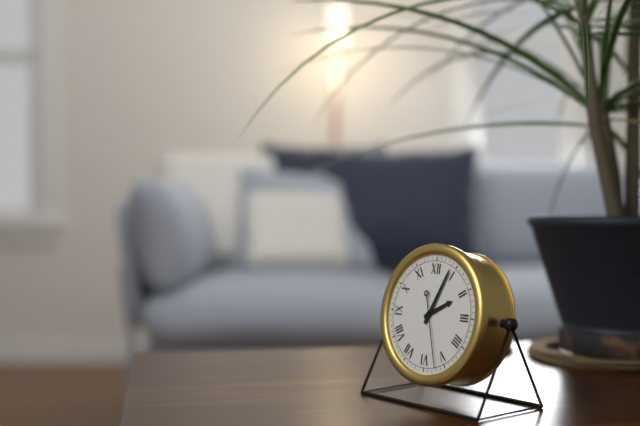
2.04.27
